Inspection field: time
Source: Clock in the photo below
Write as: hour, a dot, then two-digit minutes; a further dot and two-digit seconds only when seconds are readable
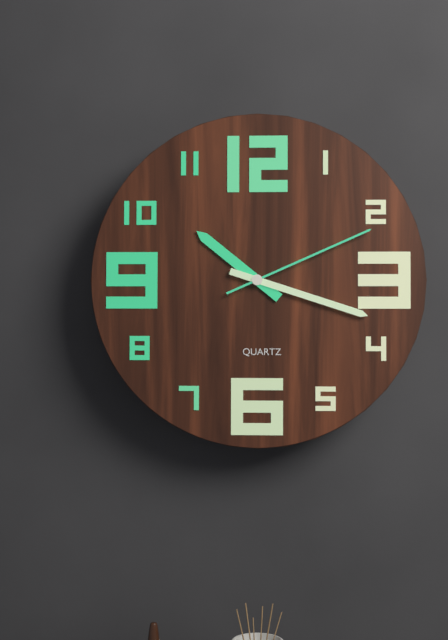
10.18.11
